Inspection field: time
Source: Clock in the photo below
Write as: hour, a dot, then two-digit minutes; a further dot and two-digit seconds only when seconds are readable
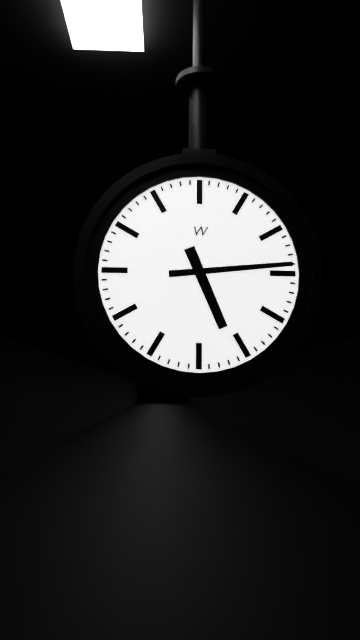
5.14
